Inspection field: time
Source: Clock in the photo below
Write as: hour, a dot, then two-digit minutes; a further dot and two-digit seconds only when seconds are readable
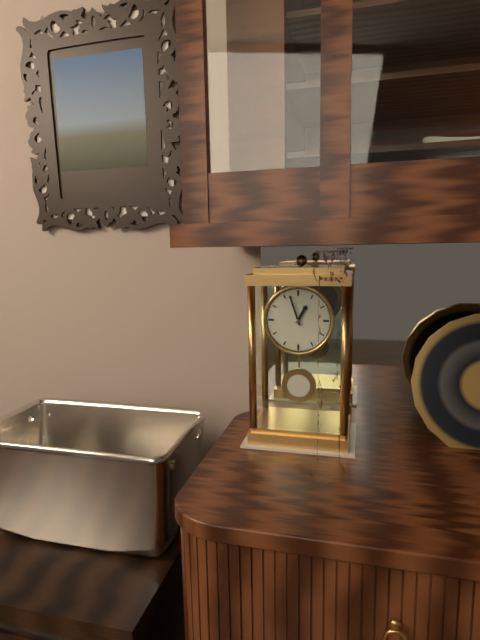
12.57
